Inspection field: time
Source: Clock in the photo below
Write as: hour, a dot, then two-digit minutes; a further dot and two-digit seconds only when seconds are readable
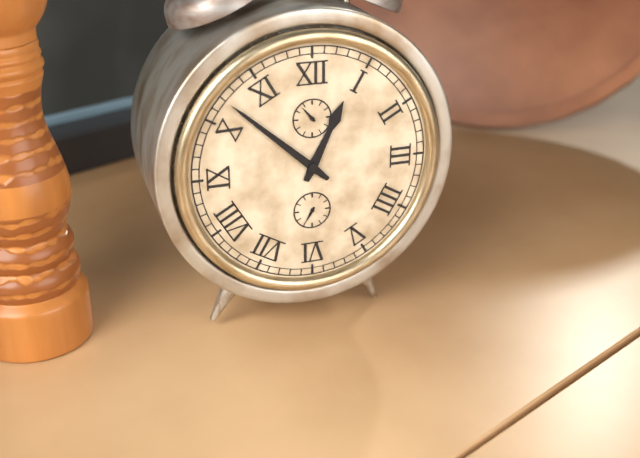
12.52
